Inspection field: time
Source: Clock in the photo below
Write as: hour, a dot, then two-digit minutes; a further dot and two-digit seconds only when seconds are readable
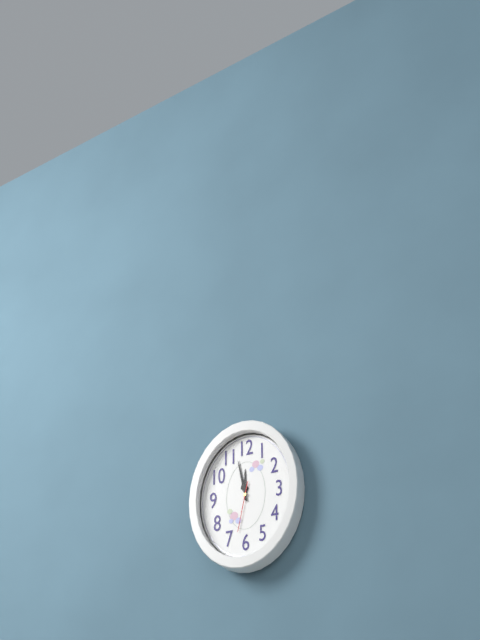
11.58
